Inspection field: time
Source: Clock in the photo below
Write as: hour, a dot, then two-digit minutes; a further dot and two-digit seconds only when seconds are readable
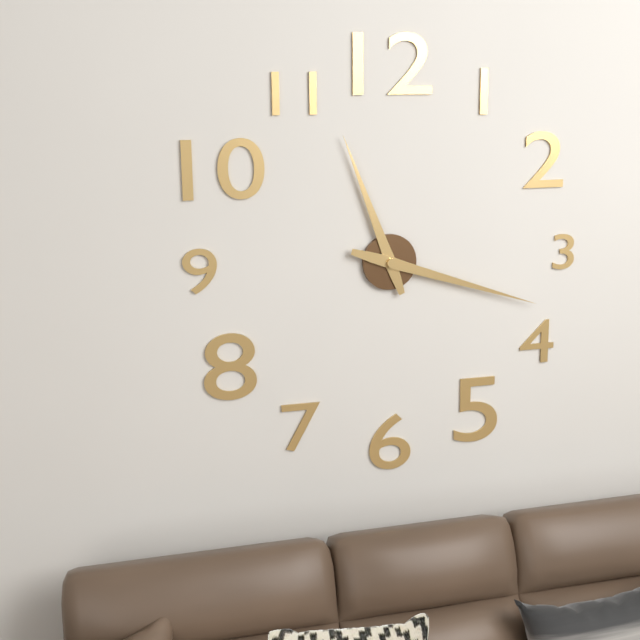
11.18
